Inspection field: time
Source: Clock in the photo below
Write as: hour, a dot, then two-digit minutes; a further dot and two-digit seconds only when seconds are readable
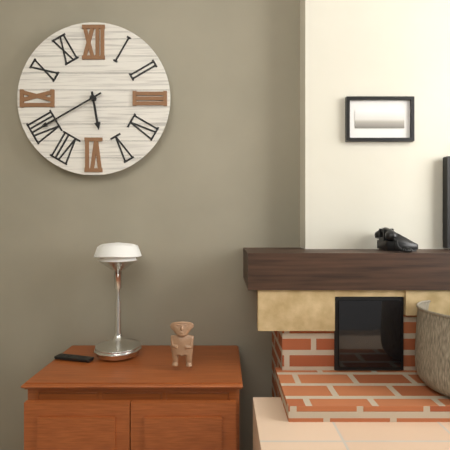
5.40
